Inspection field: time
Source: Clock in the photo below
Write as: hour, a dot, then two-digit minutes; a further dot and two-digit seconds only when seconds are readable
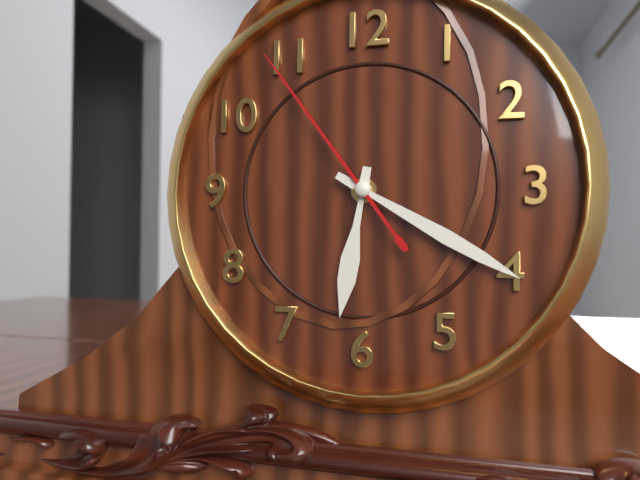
6.20.54
